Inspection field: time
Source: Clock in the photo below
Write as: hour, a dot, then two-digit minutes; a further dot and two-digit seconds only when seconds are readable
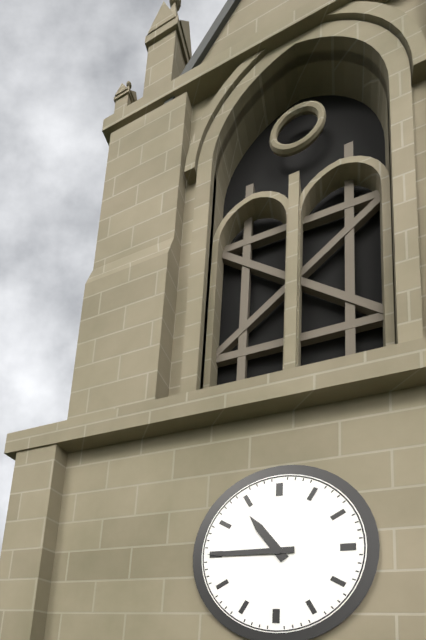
10.45
